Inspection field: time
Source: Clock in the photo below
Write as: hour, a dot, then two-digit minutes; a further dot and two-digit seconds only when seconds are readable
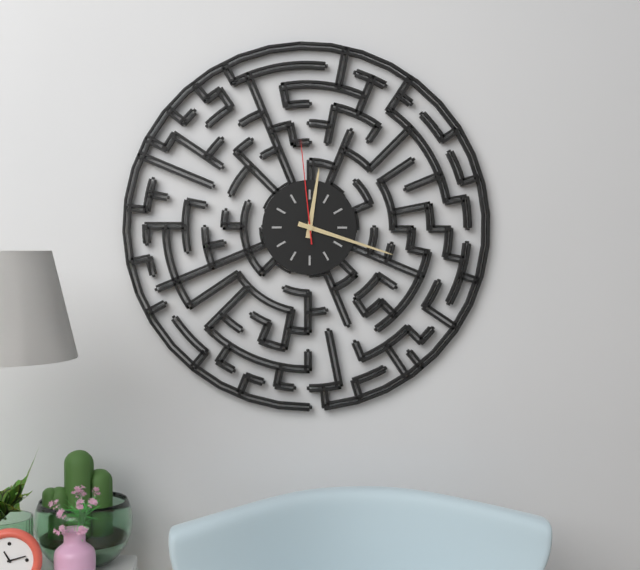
12.18.59
